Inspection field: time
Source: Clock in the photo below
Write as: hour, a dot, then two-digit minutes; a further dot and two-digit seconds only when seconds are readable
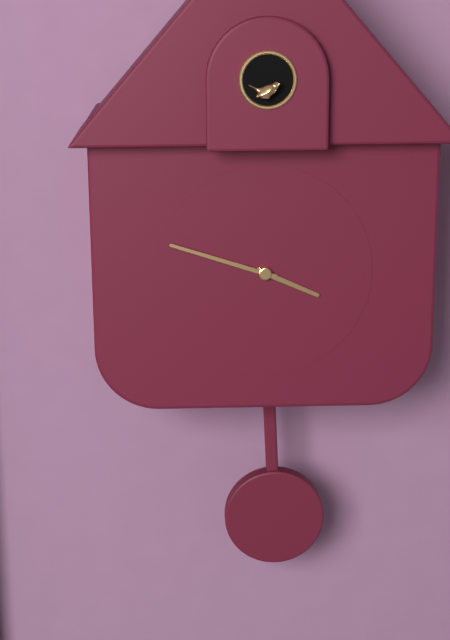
3.48
